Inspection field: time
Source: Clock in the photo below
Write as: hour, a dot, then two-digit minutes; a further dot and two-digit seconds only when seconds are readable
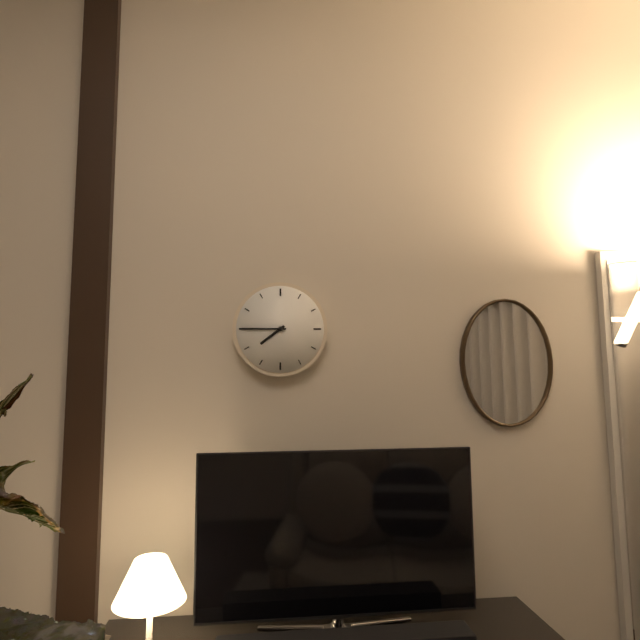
7.45
